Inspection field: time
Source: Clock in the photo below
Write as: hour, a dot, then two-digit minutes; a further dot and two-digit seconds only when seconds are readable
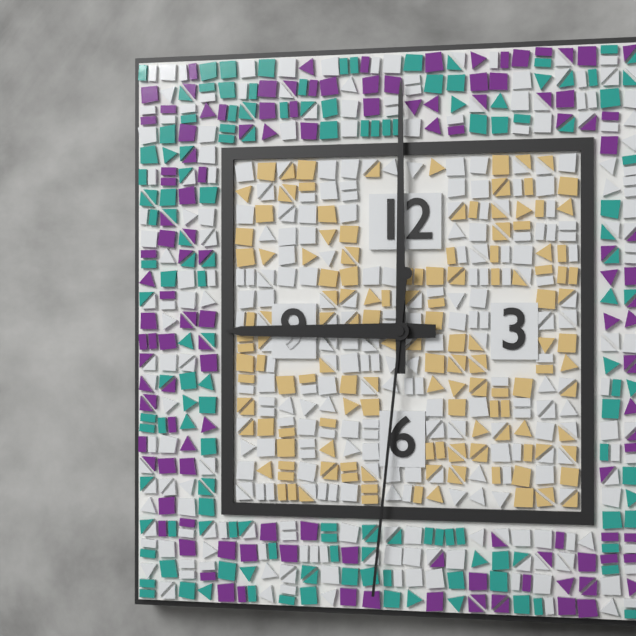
9.00.31
